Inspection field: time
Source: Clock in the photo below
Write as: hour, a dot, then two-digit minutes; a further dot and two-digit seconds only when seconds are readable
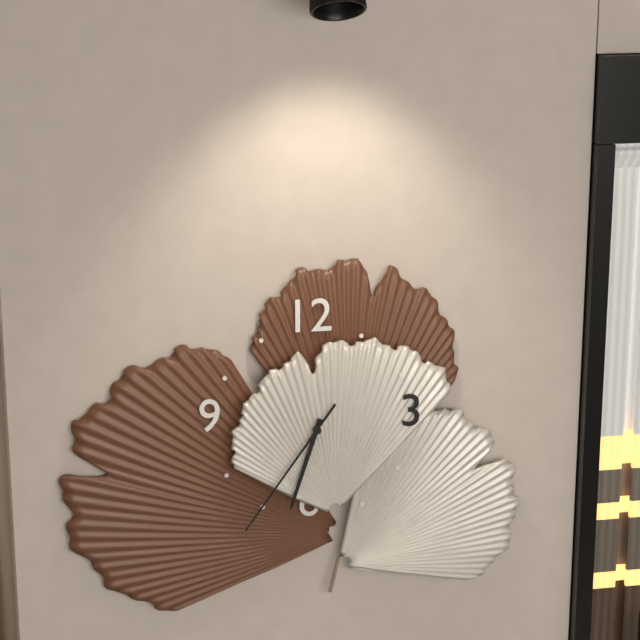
6.36
